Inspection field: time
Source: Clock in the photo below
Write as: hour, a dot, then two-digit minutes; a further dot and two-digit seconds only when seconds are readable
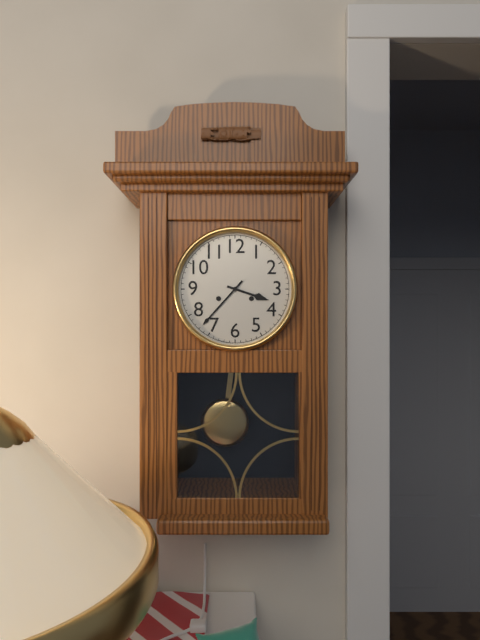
3.37
